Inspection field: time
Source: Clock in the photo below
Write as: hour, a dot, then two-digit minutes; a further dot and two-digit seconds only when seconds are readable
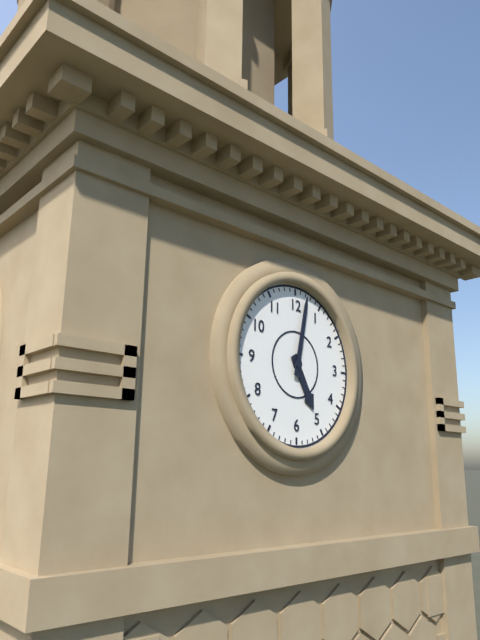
5.02
